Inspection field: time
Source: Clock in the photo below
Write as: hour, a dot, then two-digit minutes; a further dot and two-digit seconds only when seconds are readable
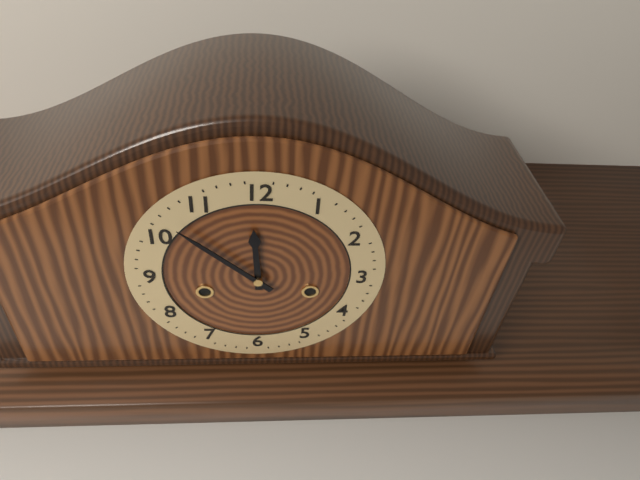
11.52
